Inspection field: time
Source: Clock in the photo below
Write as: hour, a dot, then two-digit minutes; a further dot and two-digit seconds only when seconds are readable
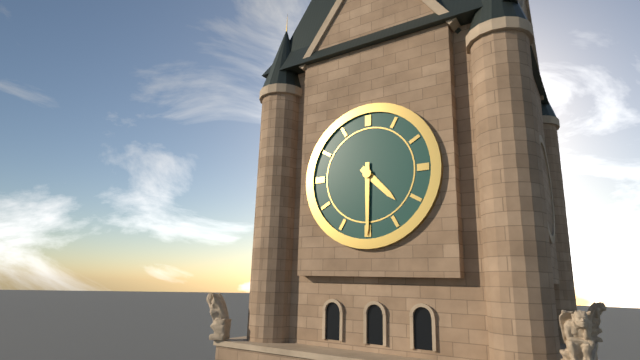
4.30
